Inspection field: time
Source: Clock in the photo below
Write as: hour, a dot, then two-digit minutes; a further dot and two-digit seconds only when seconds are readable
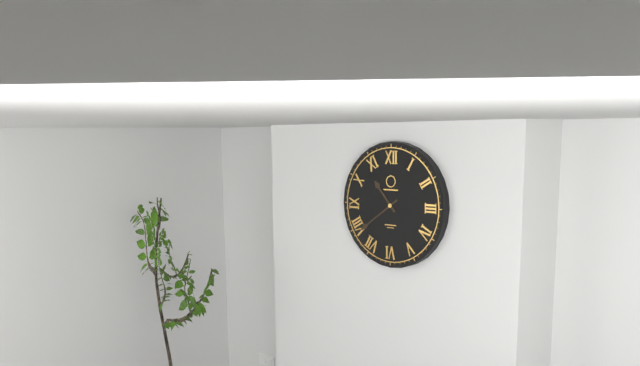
10.39
